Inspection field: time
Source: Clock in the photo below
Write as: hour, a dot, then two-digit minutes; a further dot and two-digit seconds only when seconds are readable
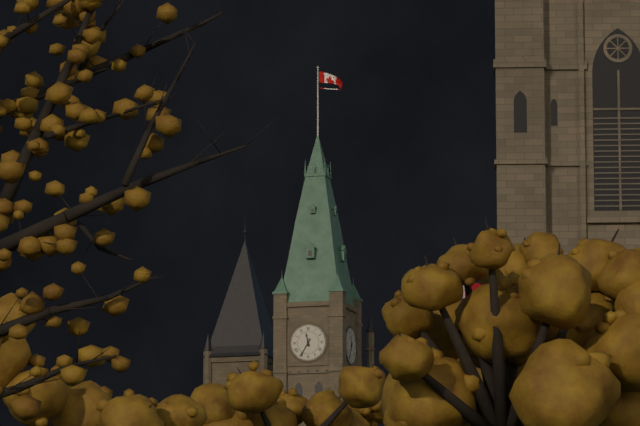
11.35
